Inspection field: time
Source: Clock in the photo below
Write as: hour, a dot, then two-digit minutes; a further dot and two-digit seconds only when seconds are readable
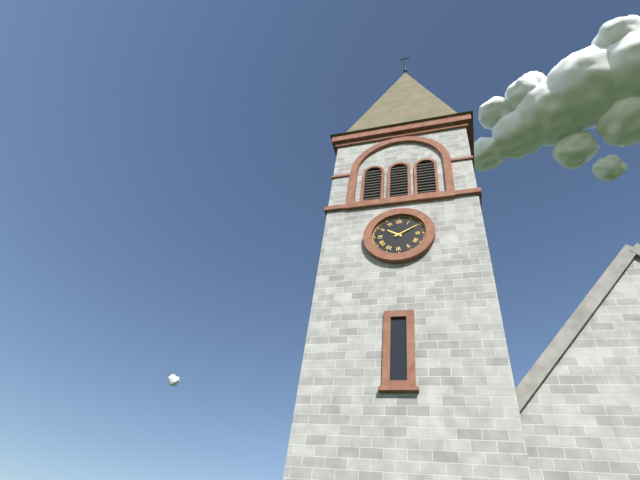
10.10
